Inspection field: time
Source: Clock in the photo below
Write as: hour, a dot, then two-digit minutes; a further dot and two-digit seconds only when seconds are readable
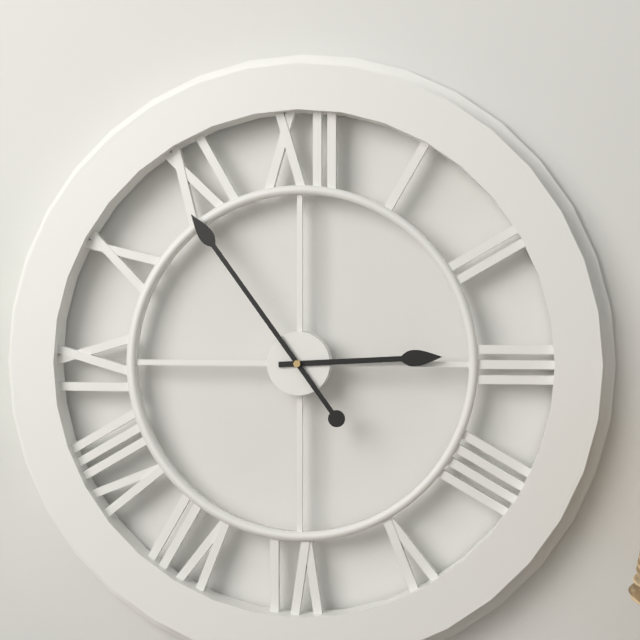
2.54
